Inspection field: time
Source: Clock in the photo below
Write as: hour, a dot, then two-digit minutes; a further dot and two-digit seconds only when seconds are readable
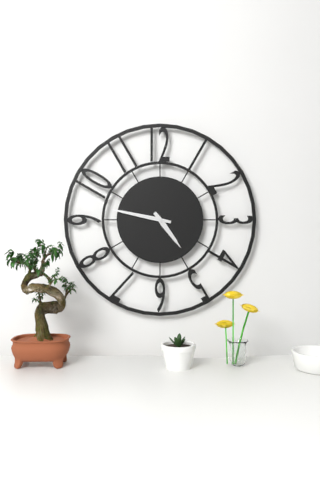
4.47
